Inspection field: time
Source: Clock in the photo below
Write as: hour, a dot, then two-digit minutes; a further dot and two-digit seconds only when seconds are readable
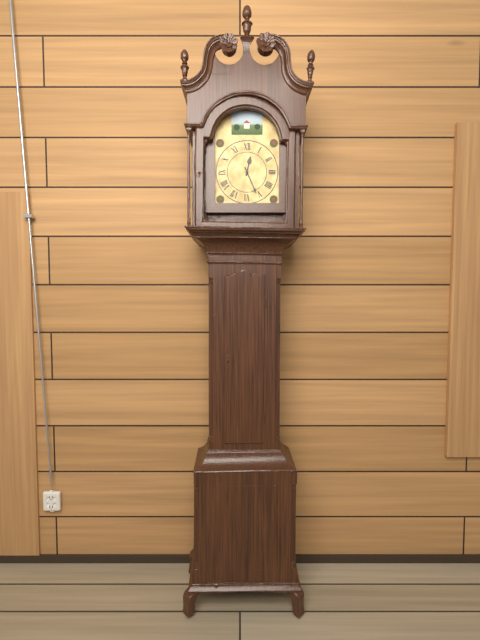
12.26
